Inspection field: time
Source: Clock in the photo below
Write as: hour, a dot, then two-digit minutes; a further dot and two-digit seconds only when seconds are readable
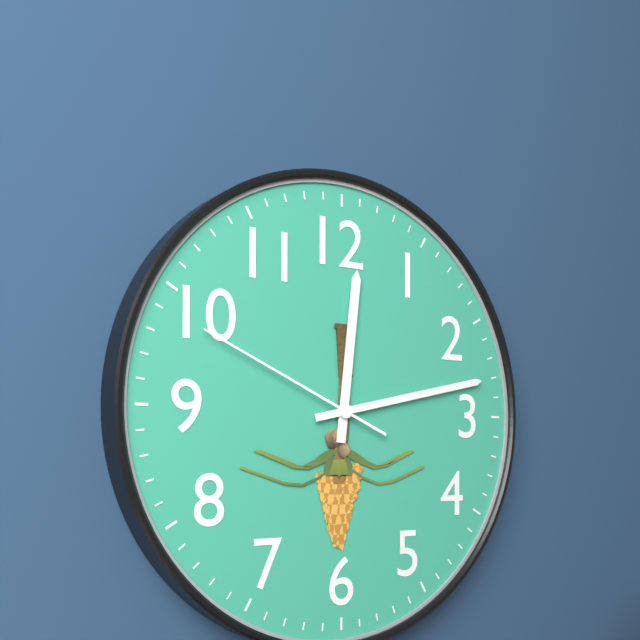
12.13.49
